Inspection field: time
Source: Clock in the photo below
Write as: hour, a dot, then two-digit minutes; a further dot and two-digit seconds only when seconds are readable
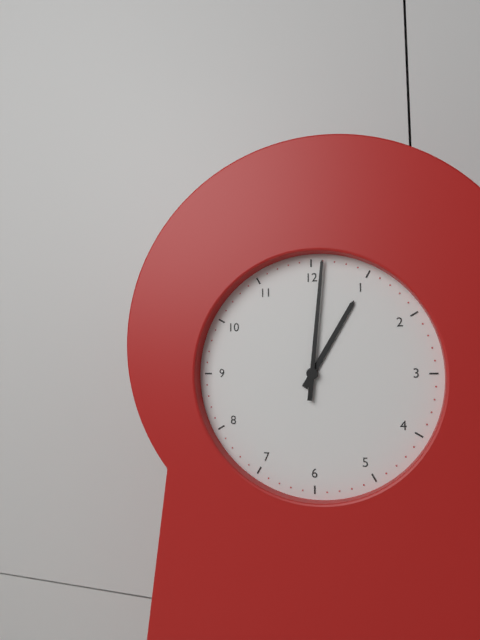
1.01
